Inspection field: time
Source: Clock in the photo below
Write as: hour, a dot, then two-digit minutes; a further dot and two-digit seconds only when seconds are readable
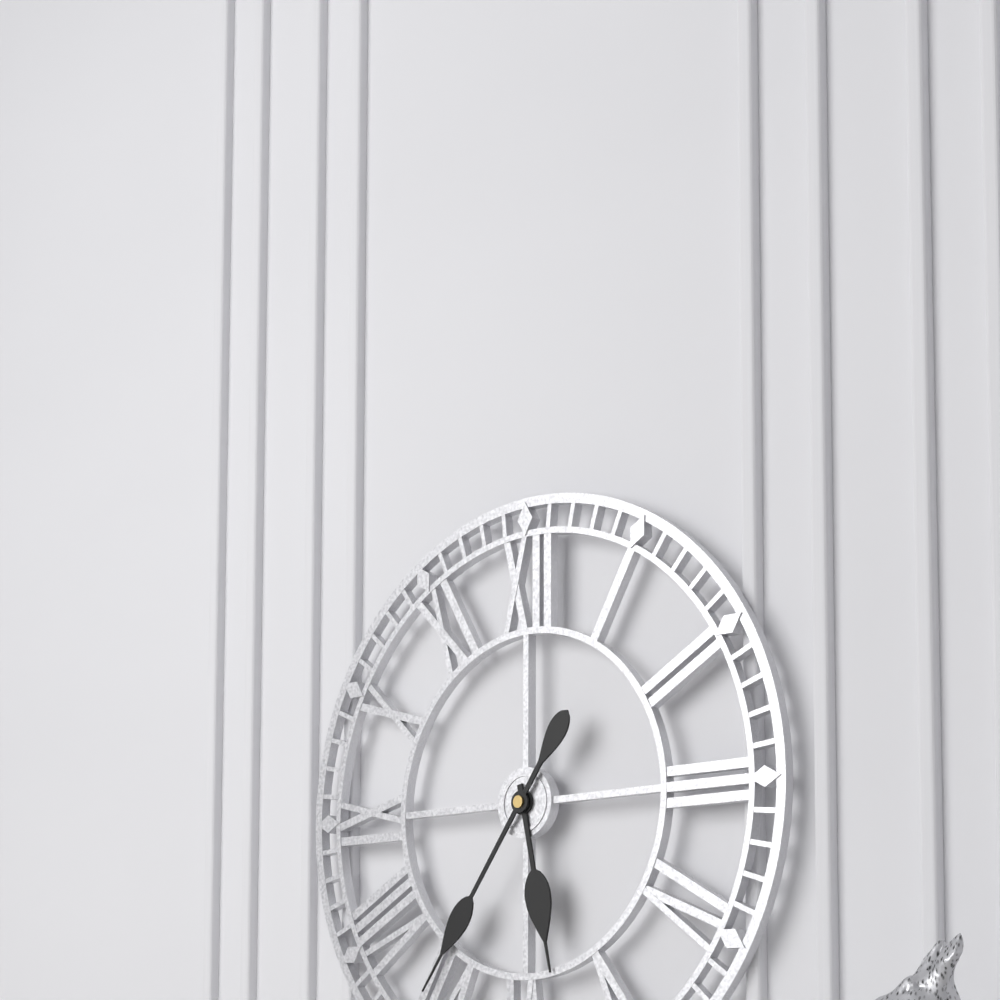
5.36
